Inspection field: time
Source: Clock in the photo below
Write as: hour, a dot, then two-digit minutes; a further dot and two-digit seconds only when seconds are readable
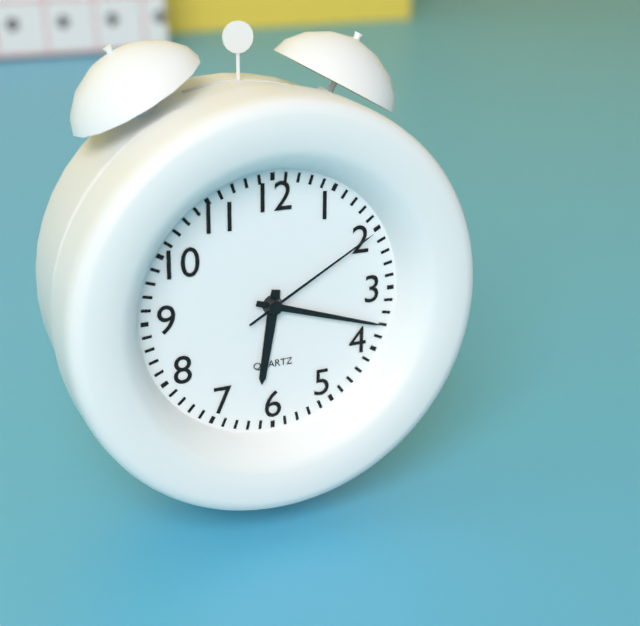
6.18.10
